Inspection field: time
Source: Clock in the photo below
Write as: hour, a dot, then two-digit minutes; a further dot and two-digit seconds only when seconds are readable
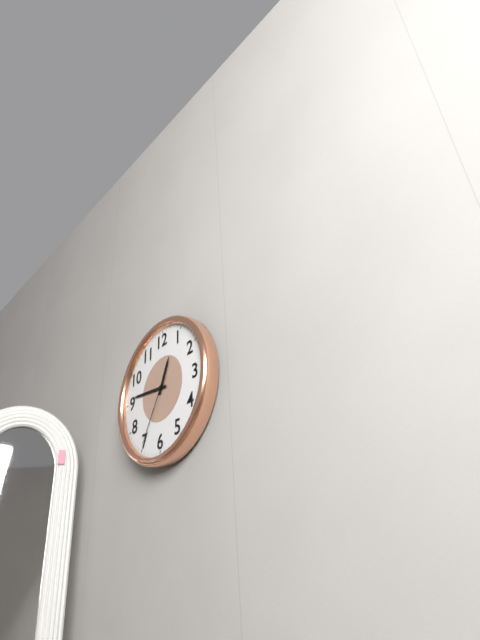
12.46.35
